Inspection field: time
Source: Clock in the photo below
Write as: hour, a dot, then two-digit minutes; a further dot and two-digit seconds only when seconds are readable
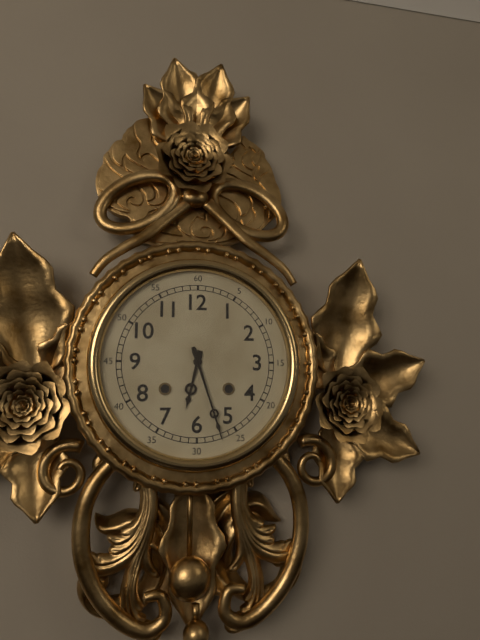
6.27
